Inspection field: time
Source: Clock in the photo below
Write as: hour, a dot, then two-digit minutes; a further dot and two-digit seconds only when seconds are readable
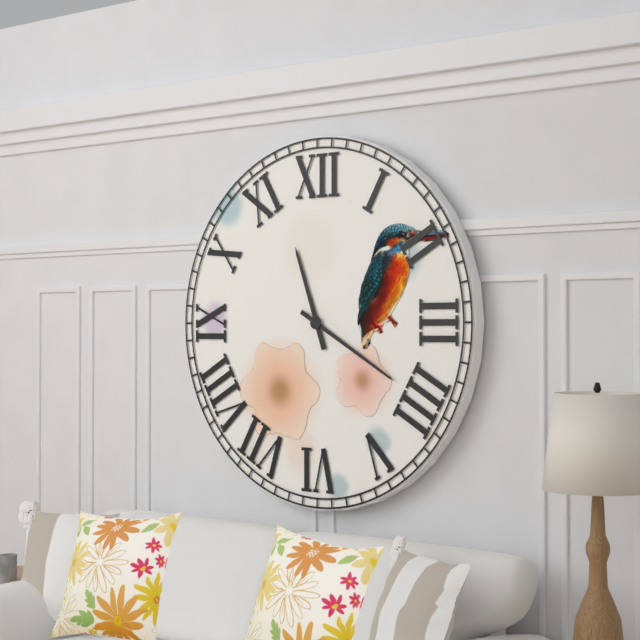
11.20
